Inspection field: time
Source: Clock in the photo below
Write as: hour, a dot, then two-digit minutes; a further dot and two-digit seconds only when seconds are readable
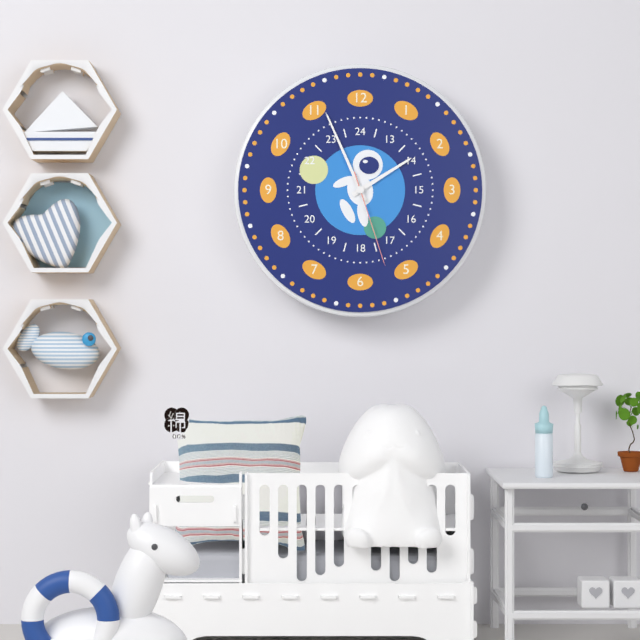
1.56.27
